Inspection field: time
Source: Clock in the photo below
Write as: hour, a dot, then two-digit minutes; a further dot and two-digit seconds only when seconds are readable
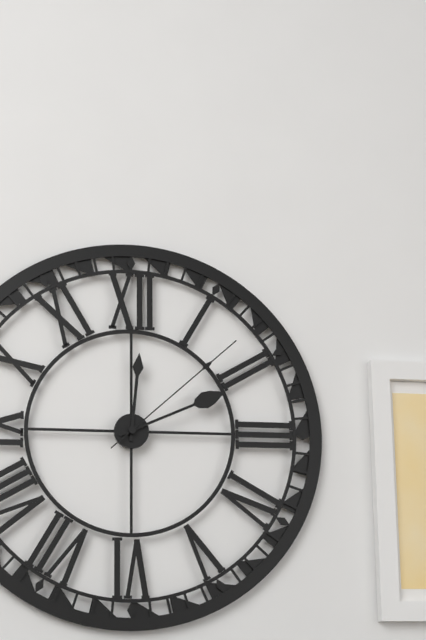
12.11.08
